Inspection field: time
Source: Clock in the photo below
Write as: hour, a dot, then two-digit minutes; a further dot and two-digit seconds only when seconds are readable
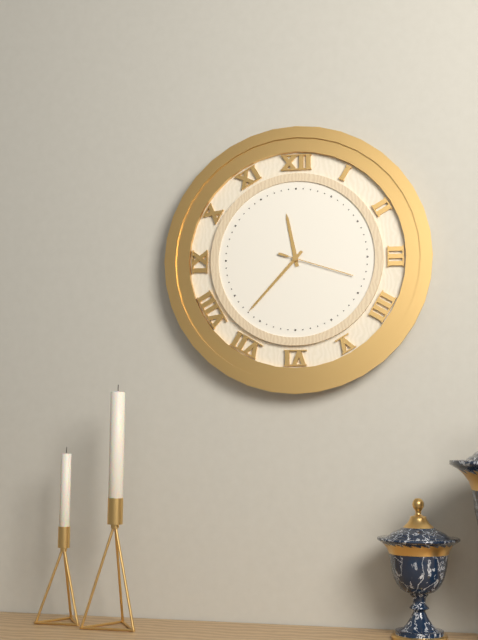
11.37.18
